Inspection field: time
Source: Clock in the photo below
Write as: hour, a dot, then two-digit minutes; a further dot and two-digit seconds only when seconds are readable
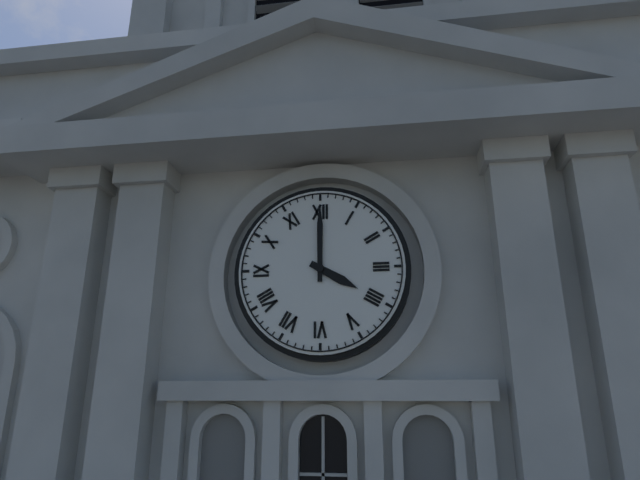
4.00
